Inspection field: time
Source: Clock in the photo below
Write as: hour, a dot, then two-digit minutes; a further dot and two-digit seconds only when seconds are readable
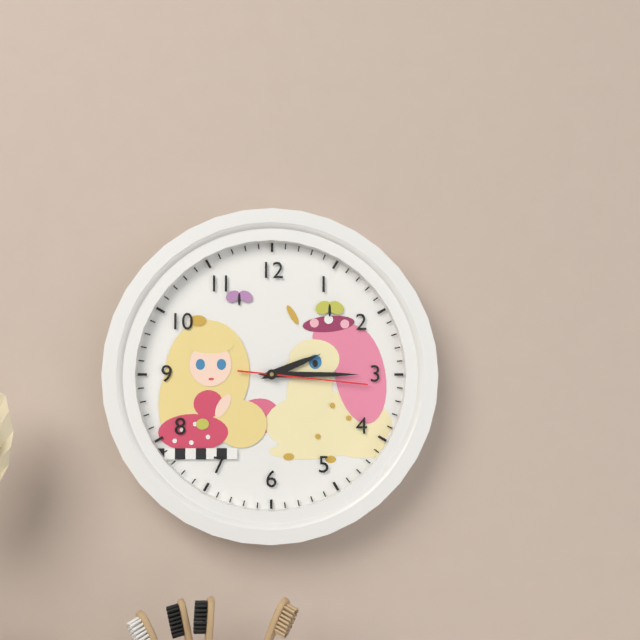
2.15.16
